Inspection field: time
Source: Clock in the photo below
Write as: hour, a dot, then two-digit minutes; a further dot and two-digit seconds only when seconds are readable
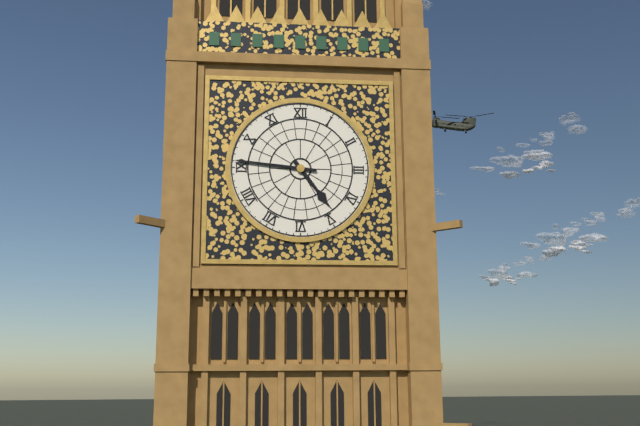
4.46
